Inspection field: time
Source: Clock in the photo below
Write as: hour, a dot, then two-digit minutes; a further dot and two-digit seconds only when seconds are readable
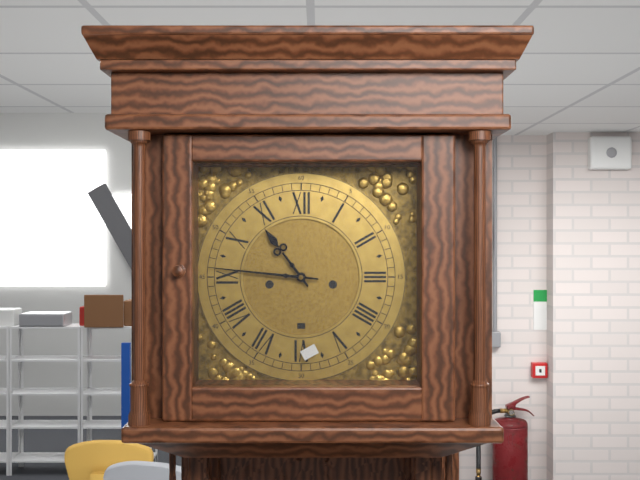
10.46
